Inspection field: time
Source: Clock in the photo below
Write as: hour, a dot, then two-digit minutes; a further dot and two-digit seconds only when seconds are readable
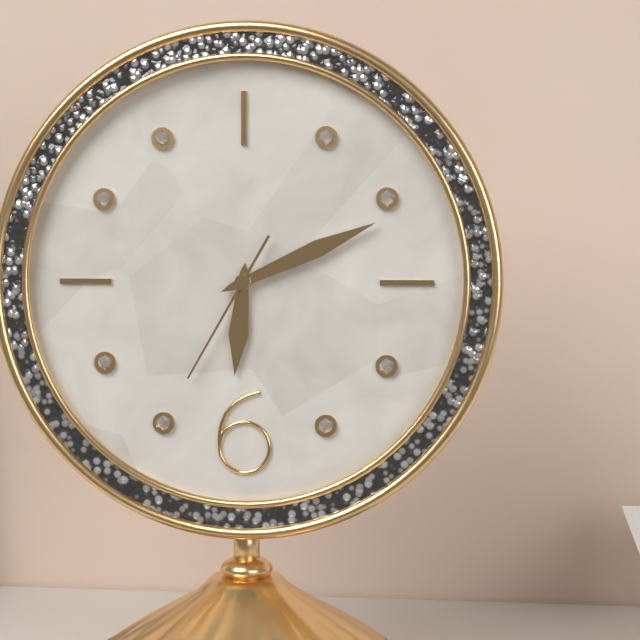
6.11.35
